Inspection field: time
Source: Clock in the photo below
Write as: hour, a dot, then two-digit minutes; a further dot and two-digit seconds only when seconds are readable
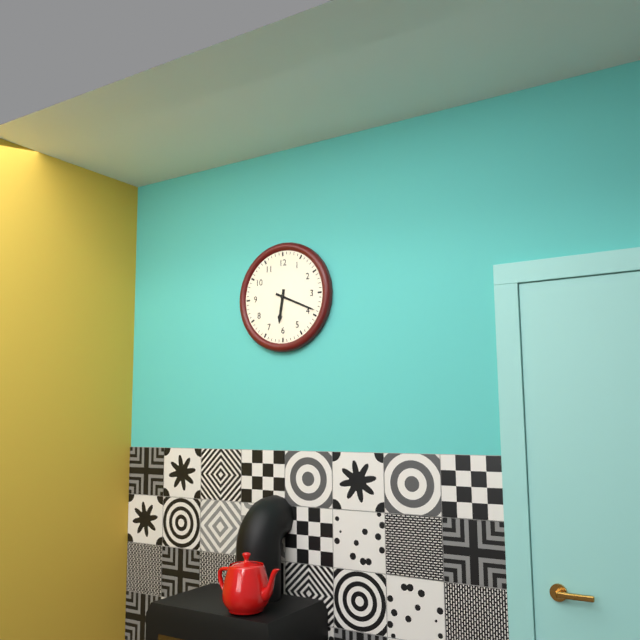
6.19
